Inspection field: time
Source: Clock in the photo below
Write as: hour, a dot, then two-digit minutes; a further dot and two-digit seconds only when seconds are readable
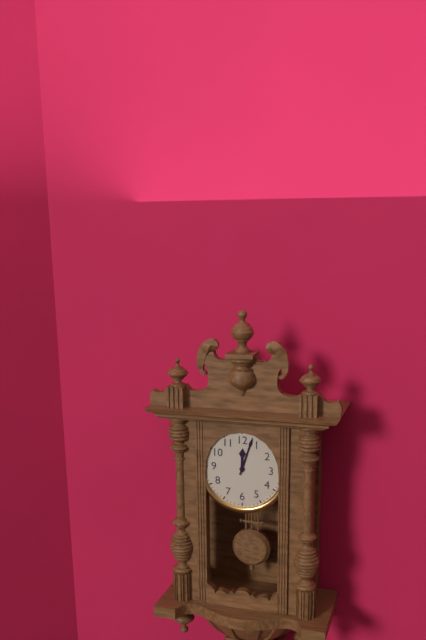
12.03
